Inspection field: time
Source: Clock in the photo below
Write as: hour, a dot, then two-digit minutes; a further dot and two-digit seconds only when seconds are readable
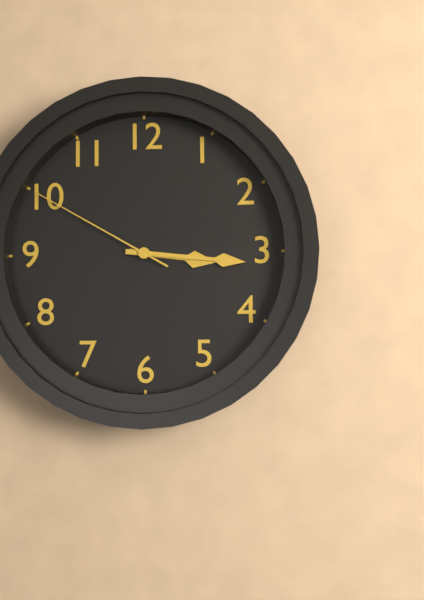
3.16.50
